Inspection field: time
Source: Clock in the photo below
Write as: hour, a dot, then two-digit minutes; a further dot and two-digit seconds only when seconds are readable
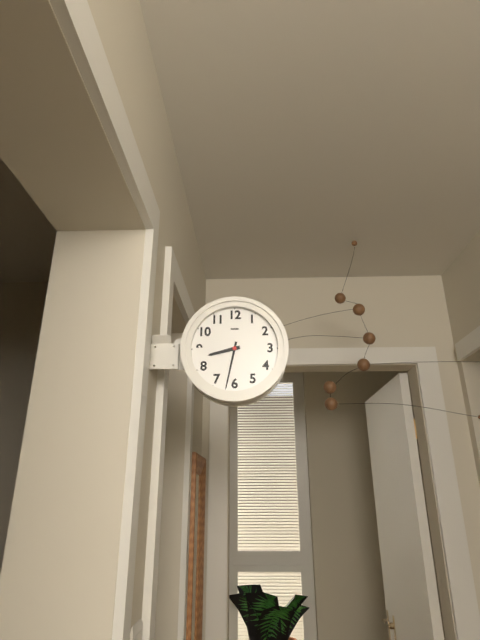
8.32
